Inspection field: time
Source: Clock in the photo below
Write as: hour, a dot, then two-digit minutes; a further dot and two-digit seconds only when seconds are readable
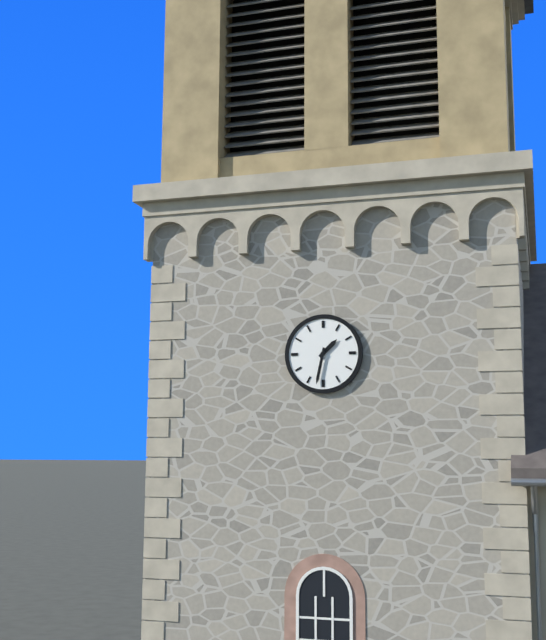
1.32
